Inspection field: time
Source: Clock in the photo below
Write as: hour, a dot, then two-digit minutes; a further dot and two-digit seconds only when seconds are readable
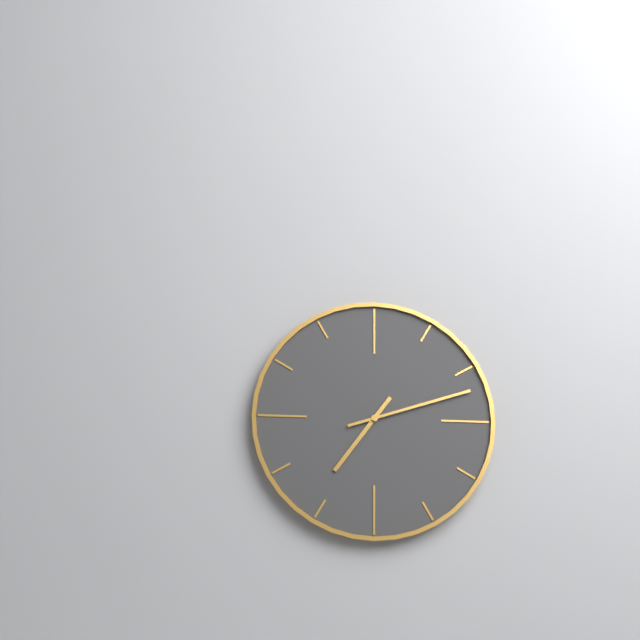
7.12
